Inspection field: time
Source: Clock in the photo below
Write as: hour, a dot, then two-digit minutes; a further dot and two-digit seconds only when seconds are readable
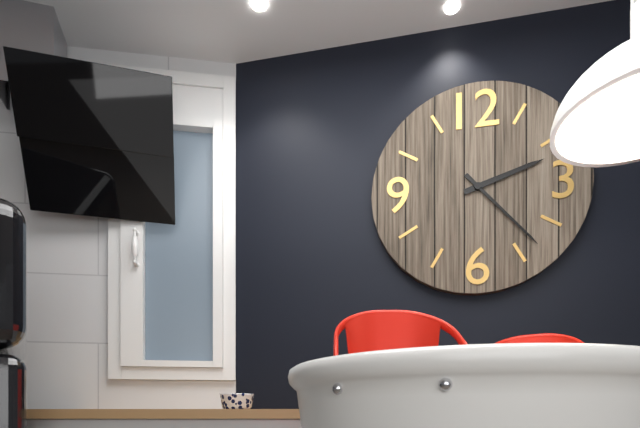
2.23
